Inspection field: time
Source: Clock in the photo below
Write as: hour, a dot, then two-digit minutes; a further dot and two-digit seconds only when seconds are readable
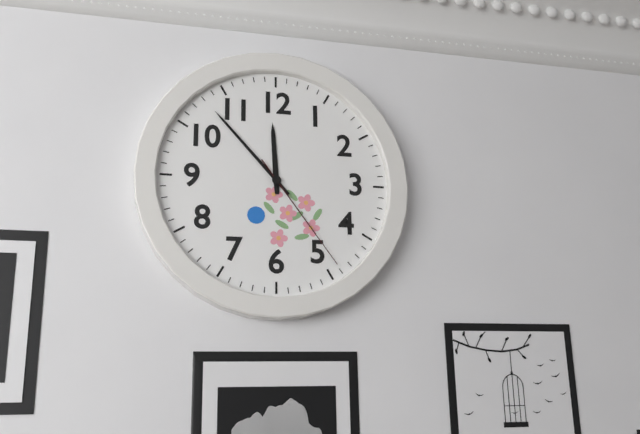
11.53.24
